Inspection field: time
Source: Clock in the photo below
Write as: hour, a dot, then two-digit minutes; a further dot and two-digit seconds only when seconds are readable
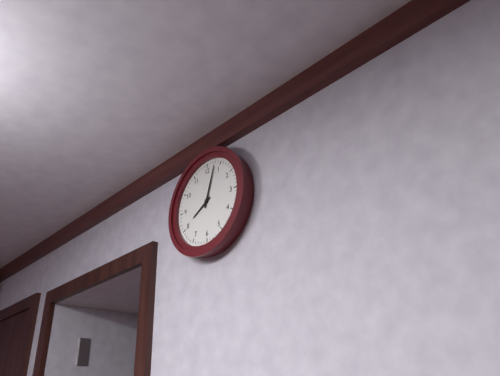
8.03
